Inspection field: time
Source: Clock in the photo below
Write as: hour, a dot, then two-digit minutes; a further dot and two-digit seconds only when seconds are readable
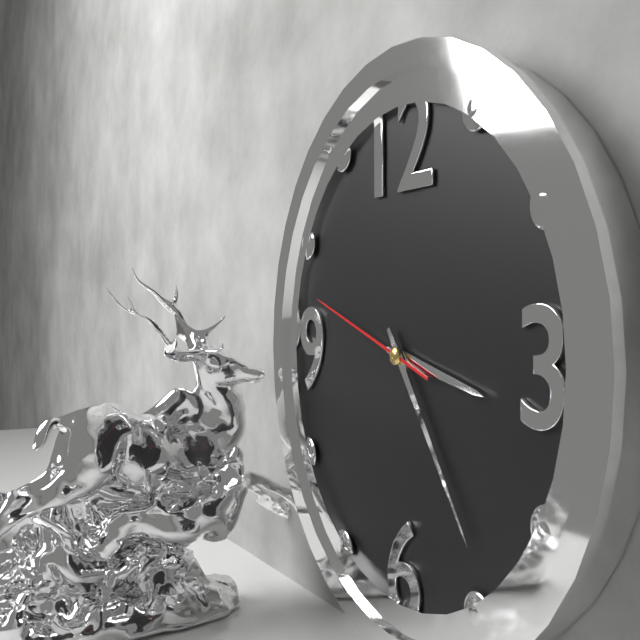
3.24.48
